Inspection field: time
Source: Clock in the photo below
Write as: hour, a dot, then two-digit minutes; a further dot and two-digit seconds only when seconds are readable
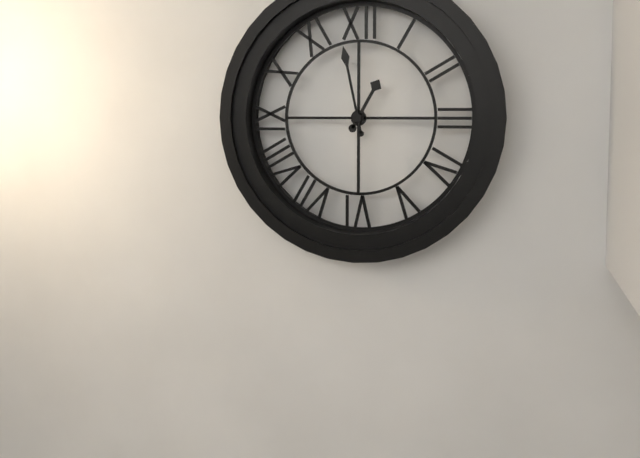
12.58
